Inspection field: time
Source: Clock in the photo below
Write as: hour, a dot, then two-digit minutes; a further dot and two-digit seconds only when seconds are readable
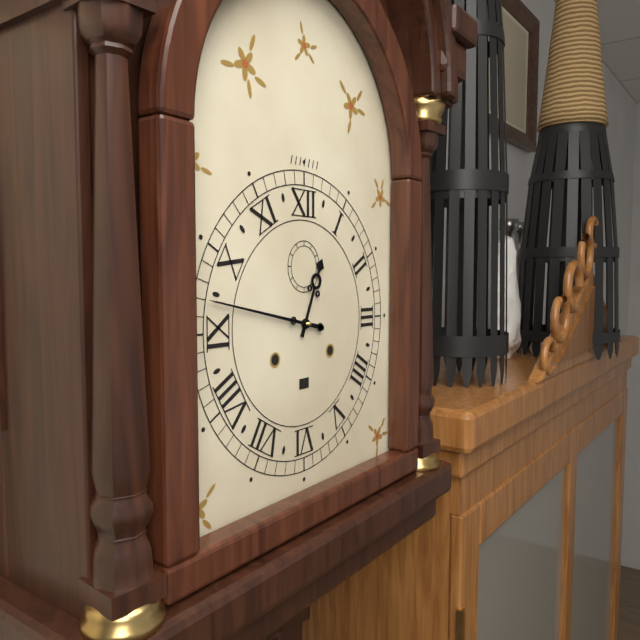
12.47
